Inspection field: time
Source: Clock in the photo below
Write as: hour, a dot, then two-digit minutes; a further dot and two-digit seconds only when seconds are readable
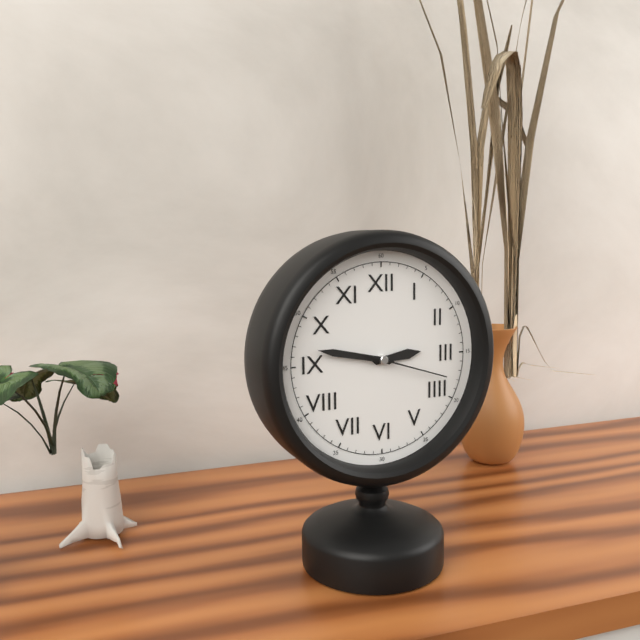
2.47.18
